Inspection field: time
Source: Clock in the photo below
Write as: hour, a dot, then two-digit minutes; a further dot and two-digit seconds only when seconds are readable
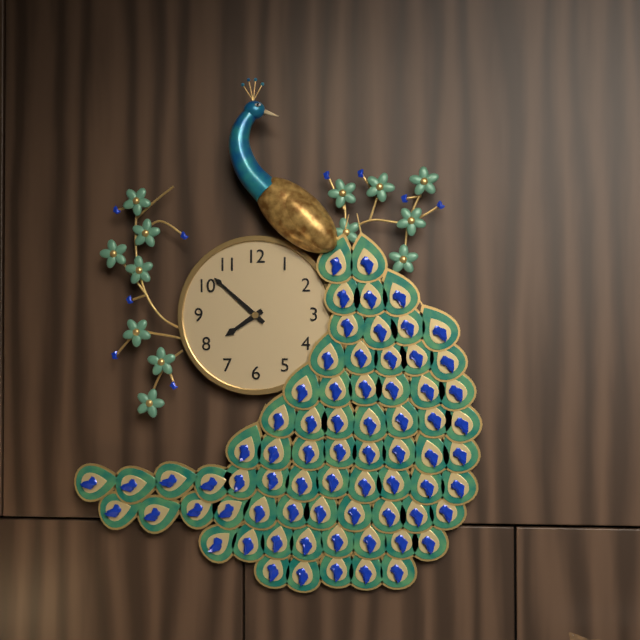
7.52
